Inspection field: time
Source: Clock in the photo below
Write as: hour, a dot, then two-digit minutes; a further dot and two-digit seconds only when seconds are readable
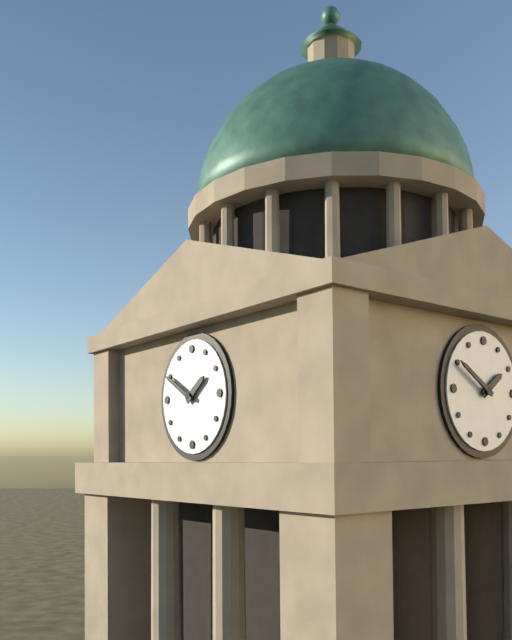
1.50
